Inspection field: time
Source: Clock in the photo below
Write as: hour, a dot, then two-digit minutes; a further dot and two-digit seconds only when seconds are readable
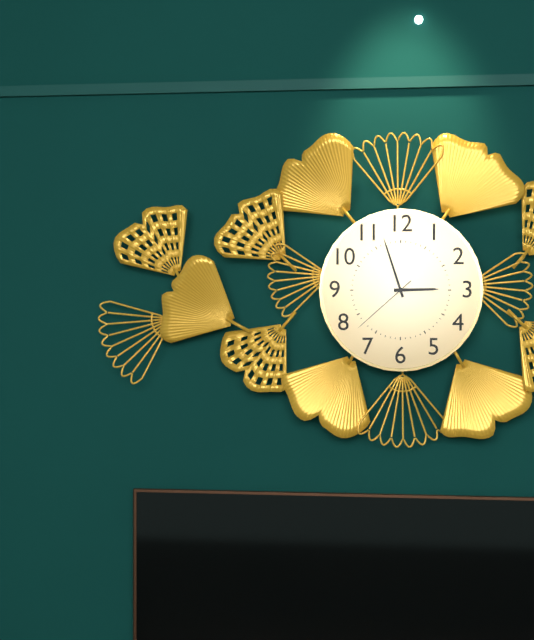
2.57.38
